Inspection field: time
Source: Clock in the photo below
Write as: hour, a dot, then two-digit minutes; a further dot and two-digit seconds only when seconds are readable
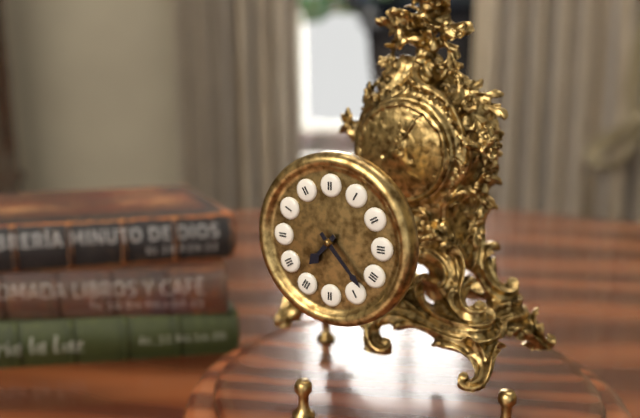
7.23
